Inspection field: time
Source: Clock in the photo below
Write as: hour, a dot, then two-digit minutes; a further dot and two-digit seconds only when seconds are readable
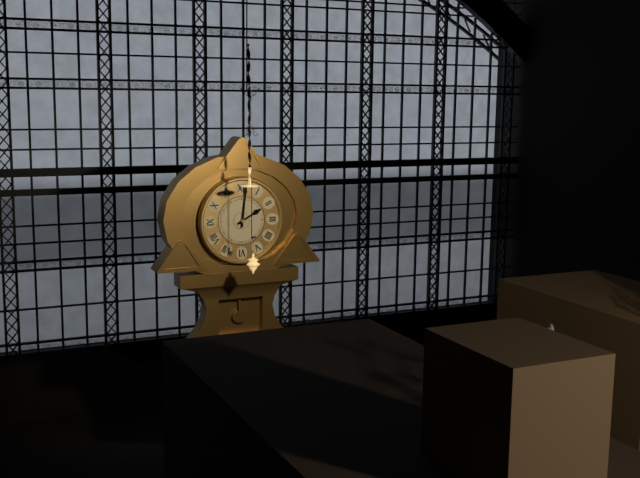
2.01
